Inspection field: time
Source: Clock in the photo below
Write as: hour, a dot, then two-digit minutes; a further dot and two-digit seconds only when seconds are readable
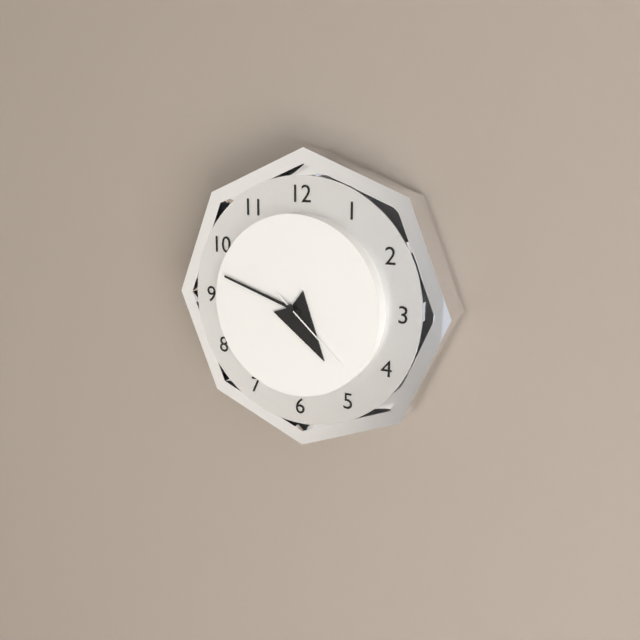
4.48.22
